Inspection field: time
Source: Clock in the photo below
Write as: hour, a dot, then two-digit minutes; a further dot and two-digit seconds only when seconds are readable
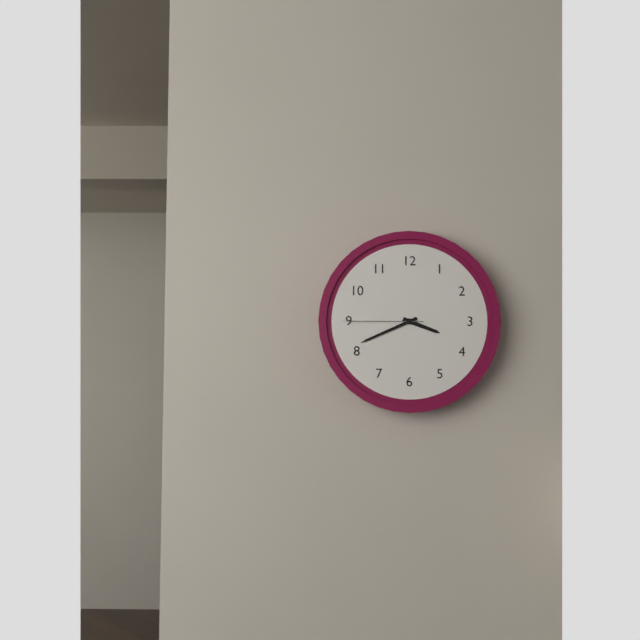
3.41.45
